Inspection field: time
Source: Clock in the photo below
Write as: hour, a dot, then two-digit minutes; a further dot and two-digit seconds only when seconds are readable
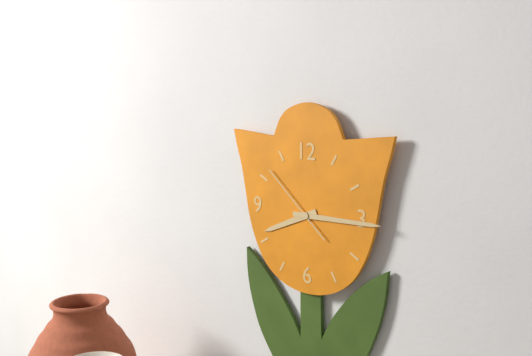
8.15.52
